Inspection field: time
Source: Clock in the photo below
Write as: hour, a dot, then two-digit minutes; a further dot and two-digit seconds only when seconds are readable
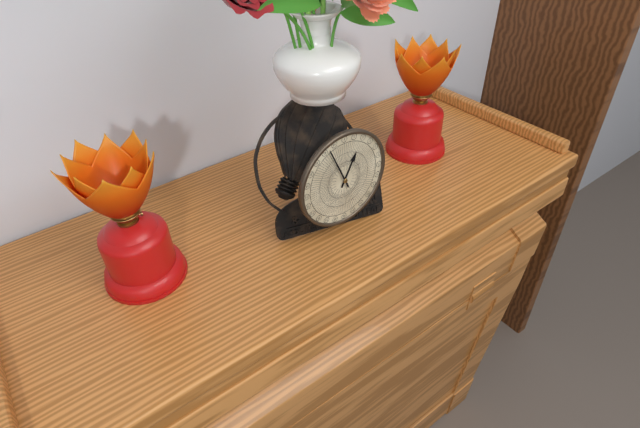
12.56
